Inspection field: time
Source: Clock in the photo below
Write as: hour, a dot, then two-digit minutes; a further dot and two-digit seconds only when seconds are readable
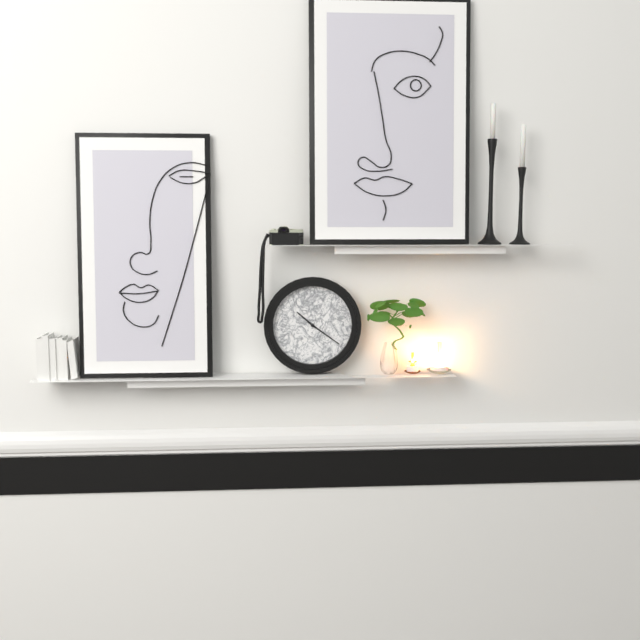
10.21
